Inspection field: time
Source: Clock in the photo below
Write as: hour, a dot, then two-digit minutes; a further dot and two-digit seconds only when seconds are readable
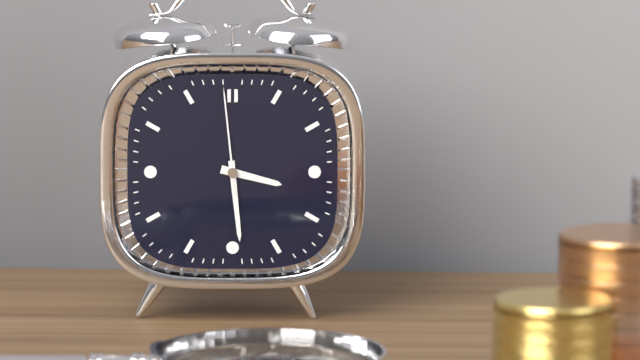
3.29.59
